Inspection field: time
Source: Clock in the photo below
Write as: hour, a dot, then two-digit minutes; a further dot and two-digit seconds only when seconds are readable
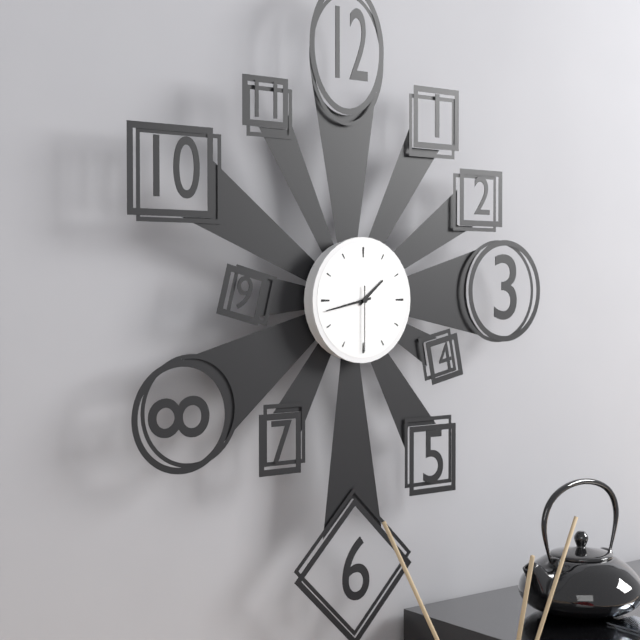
1.43.30
